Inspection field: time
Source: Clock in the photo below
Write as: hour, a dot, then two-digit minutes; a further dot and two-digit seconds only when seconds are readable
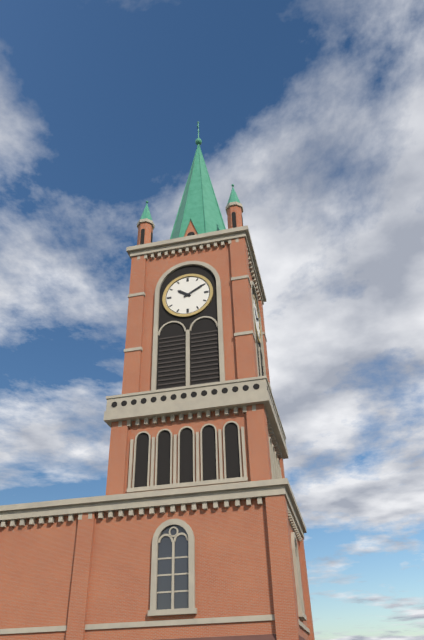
10.10
